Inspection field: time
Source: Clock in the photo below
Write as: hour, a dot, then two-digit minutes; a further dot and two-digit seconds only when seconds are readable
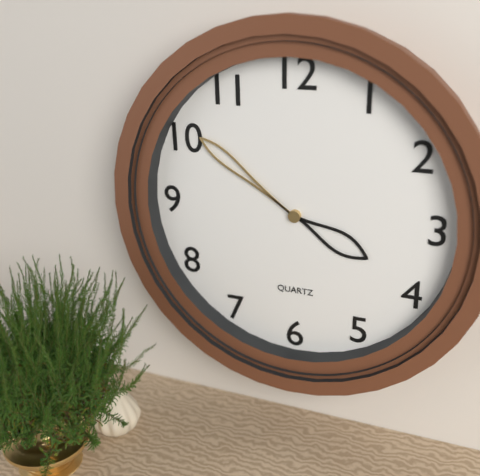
3.51
